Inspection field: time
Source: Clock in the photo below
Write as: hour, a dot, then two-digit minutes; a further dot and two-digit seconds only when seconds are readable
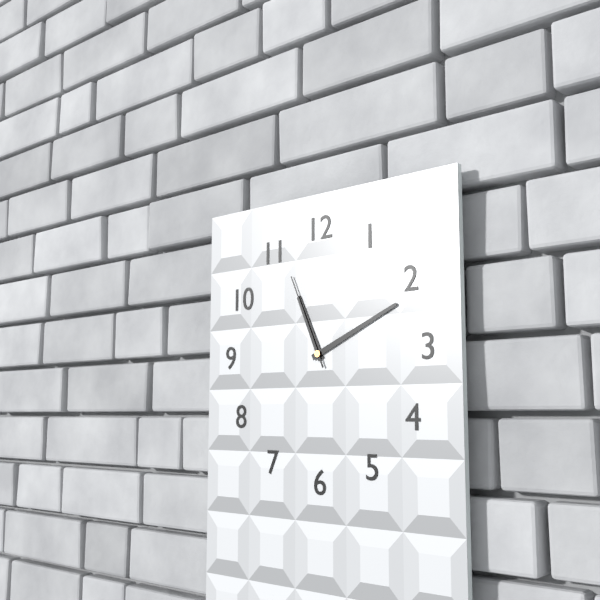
11.11.56
